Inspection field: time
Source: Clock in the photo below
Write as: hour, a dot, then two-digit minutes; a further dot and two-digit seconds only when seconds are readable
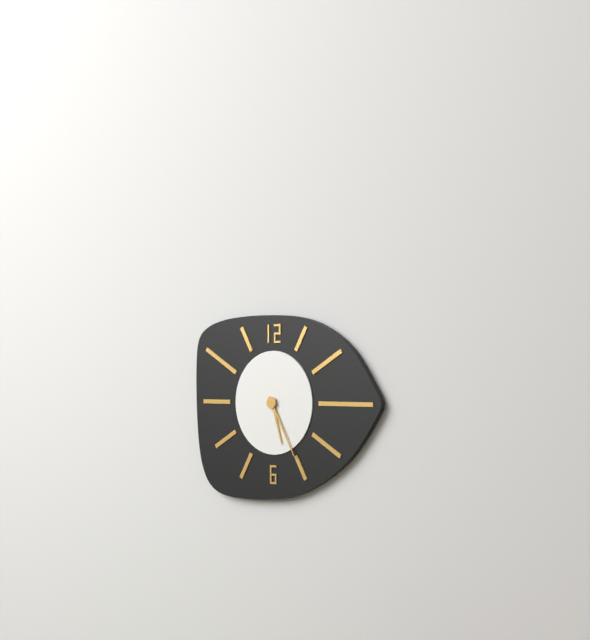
5.25
